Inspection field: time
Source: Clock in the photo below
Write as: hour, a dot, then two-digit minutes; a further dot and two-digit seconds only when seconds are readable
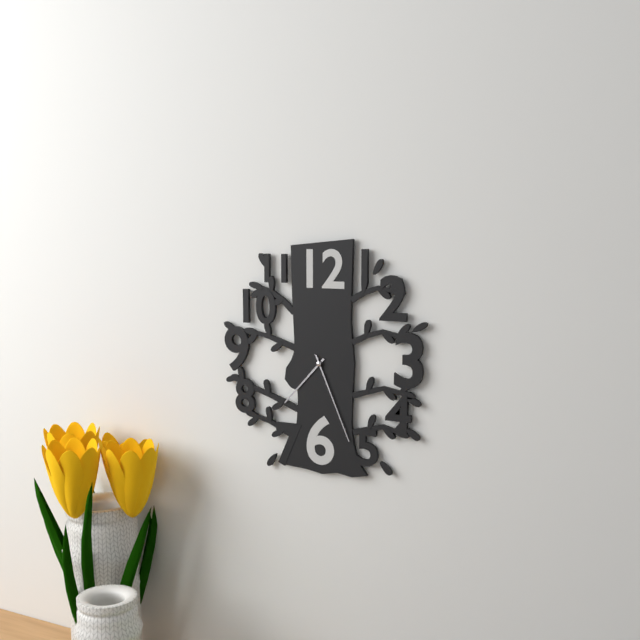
7.26
